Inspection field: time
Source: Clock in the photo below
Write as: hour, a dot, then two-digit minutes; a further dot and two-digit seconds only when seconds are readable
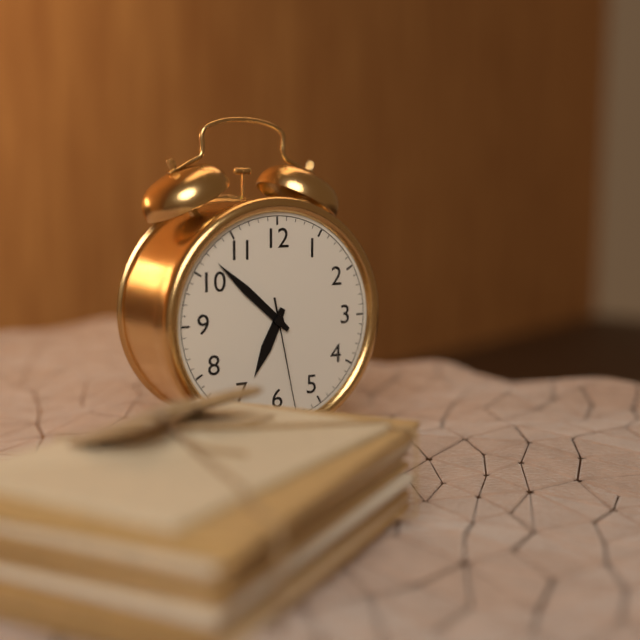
6.52.28
